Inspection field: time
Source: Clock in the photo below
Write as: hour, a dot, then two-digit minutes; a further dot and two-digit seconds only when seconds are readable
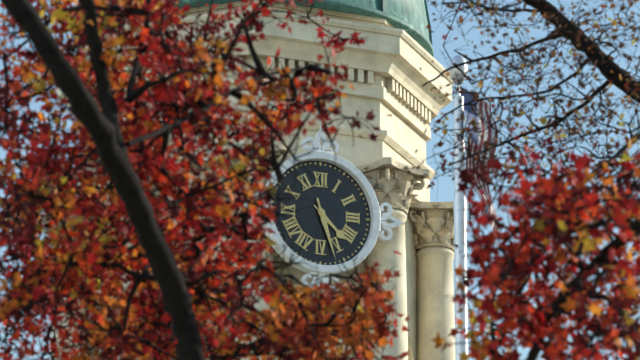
4.27
